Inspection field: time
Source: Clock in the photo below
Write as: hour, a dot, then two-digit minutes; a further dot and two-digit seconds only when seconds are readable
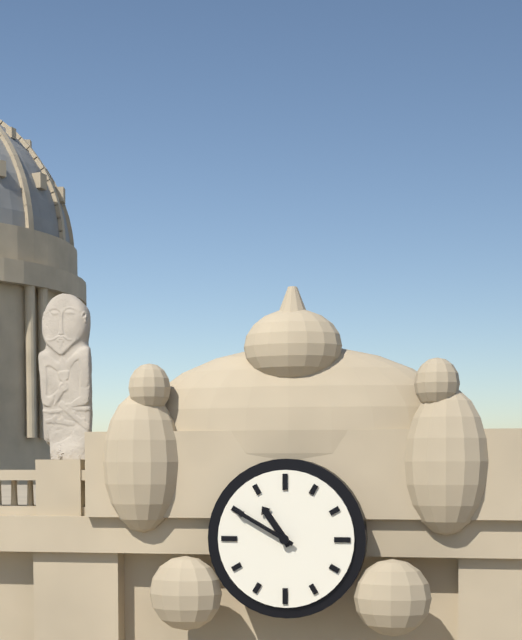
10.50
